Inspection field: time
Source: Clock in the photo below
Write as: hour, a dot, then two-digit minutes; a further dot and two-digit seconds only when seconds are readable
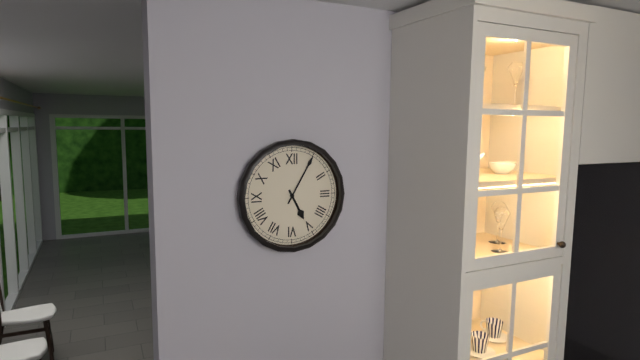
5.05
